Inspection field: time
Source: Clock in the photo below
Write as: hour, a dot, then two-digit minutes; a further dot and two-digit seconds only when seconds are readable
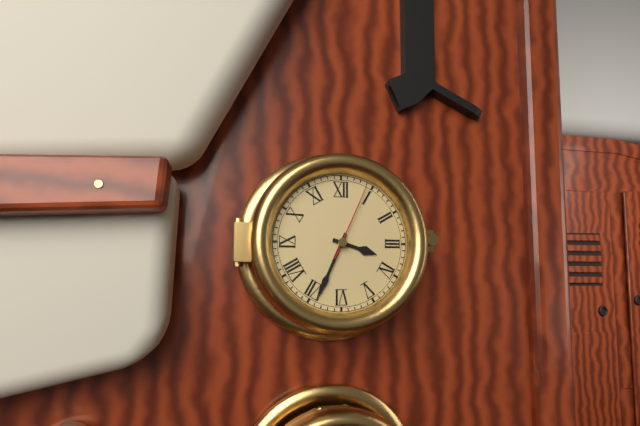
3.34.04
